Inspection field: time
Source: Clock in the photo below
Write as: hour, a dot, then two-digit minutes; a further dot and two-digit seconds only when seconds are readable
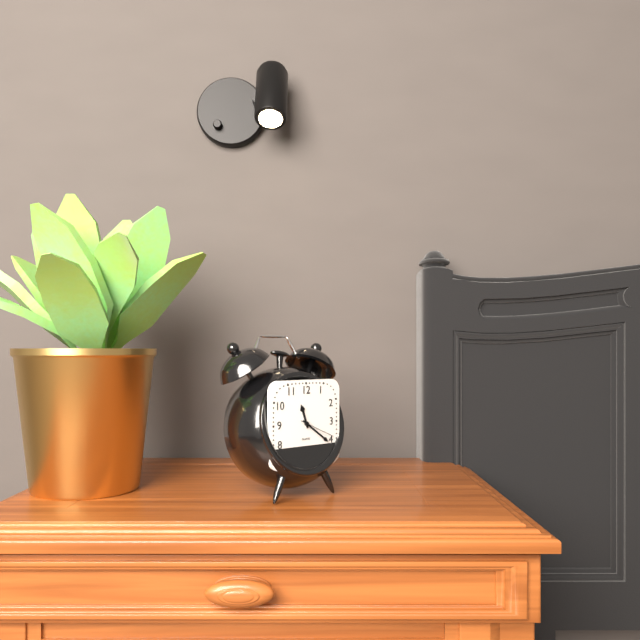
11.21
